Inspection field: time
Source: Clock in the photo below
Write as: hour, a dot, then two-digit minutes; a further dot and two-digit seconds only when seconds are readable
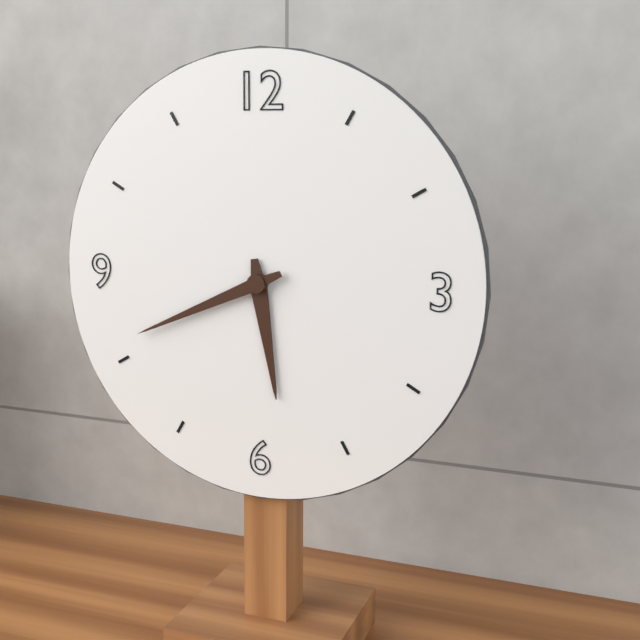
5.41
